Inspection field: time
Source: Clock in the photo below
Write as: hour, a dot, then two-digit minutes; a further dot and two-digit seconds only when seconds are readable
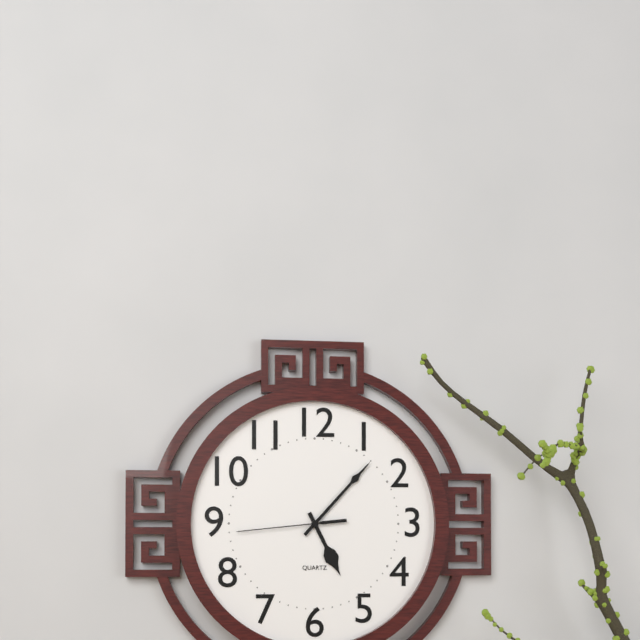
5.07.44
